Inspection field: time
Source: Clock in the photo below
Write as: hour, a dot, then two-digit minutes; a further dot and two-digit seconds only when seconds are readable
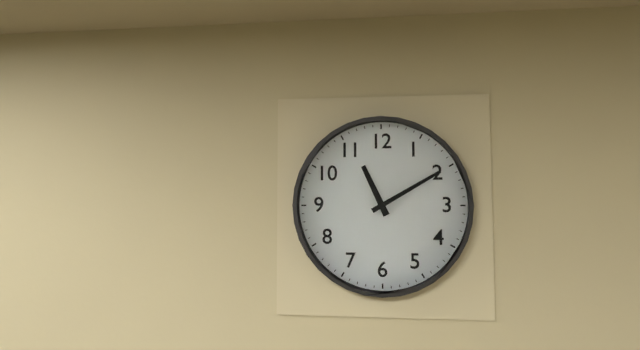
11.10
